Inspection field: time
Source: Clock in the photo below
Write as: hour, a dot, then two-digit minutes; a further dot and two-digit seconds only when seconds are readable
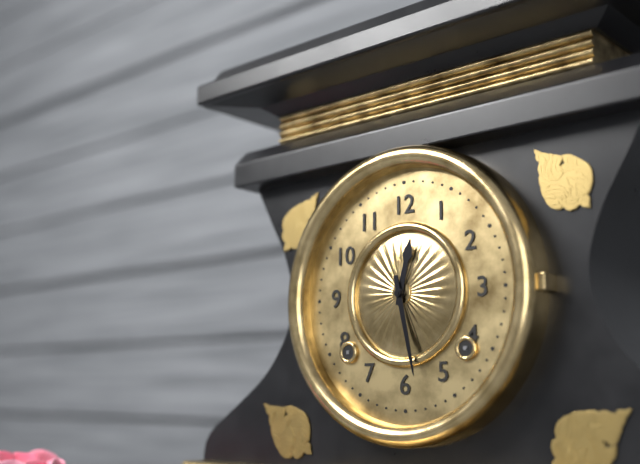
12.28
